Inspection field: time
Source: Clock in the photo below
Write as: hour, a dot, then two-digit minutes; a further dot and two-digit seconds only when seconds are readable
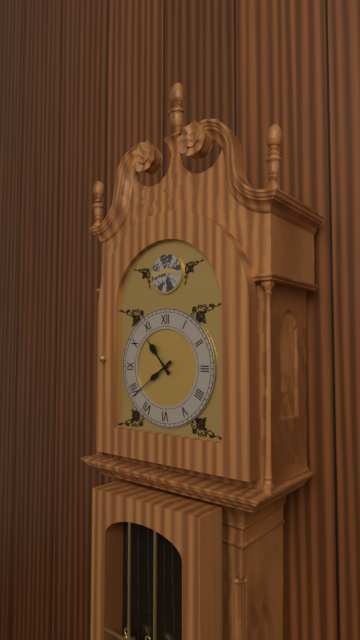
10.39
